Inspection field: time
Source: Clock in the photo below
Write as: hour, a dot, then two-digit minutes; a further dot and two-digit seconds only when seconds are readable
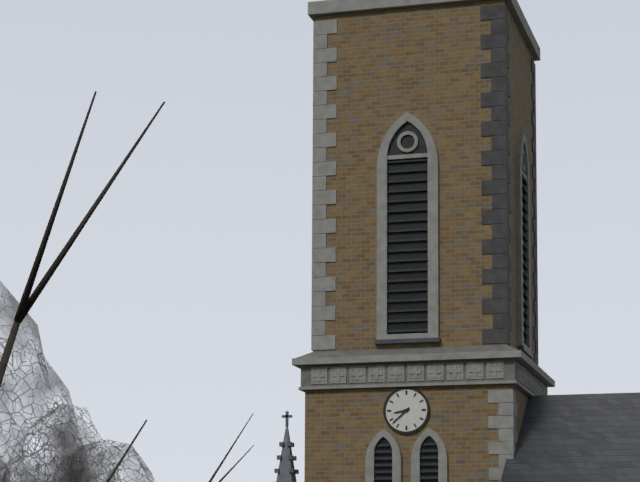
8.38
